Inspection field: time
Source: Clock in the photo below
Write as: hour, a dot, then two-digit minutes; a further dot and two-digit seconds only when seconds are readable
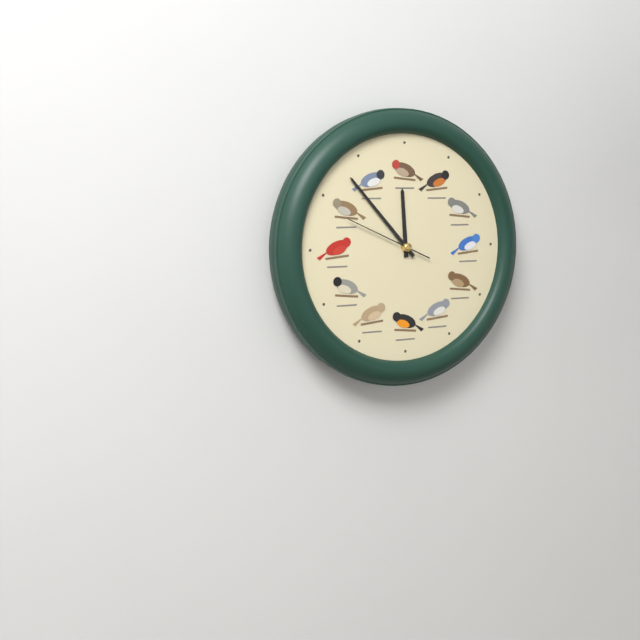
11.53.49
